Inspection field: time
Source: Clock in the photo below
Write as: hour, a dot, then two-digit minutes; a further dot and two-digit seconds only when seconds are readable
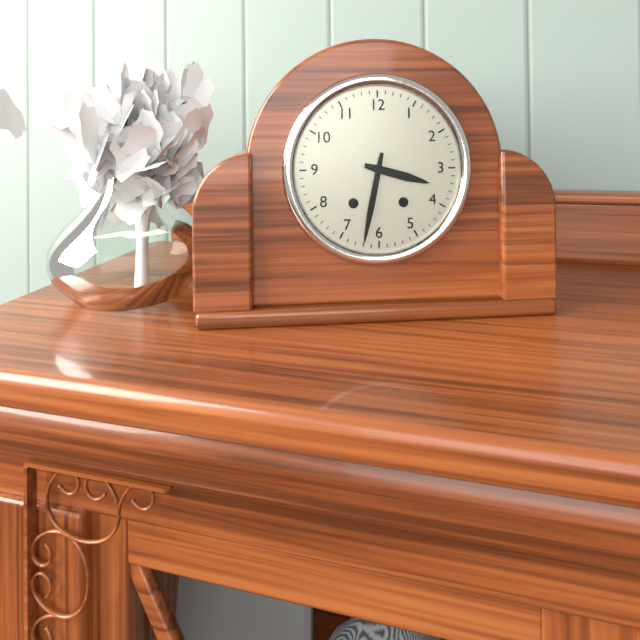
3.32
